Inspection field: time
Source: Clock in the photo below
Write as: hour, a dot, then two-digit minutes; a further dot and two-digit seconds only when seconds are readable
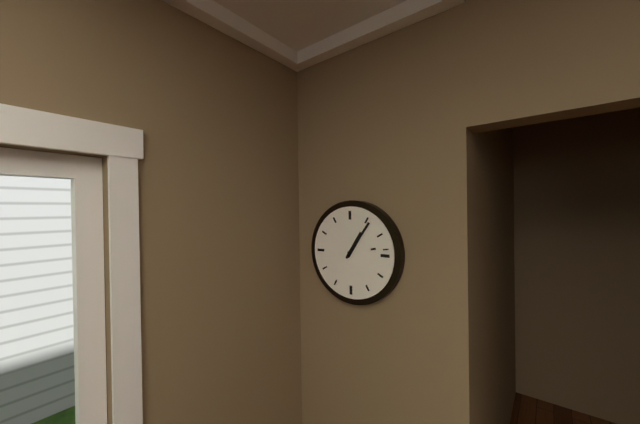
1.06
